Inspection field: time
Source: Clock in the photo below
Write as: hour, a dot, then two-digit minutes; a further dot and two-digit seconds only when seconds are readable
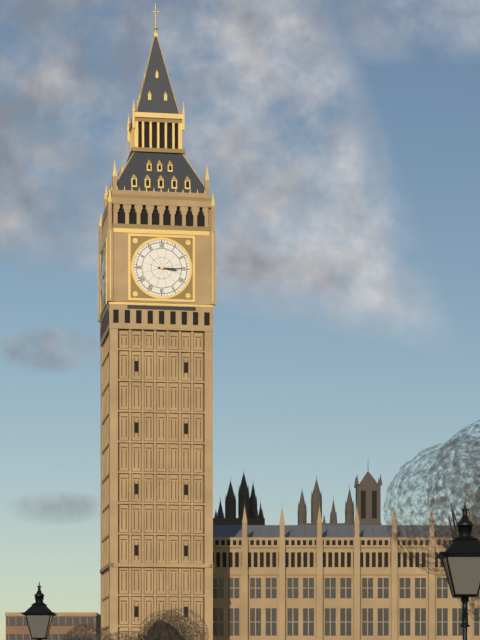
3.15
